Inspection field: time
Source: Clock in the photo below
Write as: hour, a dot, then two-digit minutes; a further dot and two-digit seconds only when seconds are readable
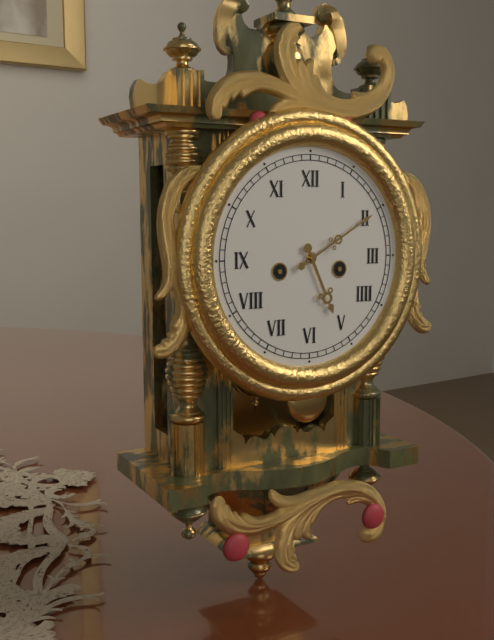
5.10
